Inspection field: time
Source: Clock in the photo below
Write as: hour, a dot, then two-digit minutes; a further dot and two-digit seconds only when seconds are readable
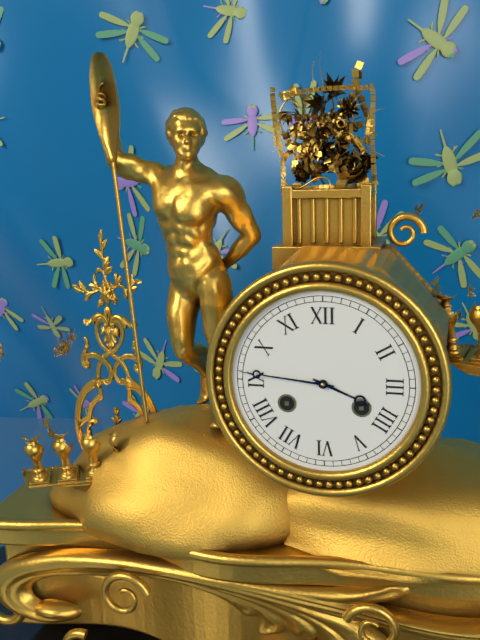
3.46
